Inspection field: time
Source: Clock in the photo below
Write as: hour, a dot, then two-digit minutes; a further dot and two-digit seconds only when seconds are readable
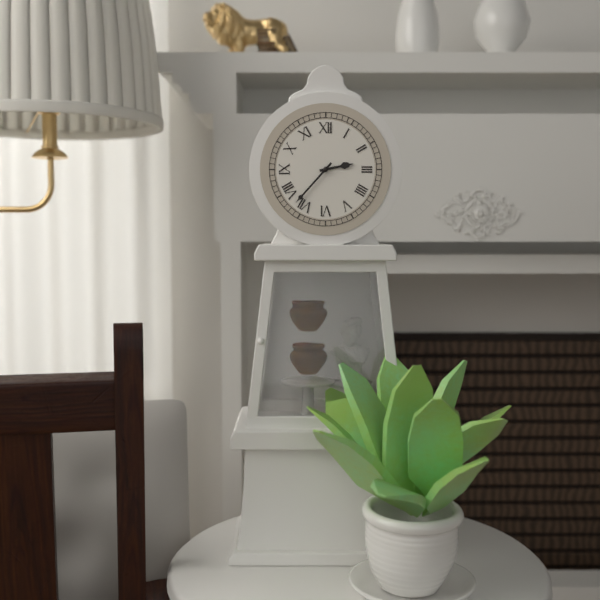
2.37
